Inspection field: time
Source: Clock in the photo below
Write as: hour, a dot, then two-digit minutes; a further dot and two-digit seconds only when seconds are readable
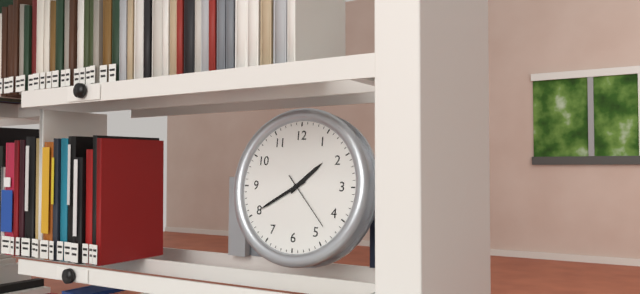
1.40.23
